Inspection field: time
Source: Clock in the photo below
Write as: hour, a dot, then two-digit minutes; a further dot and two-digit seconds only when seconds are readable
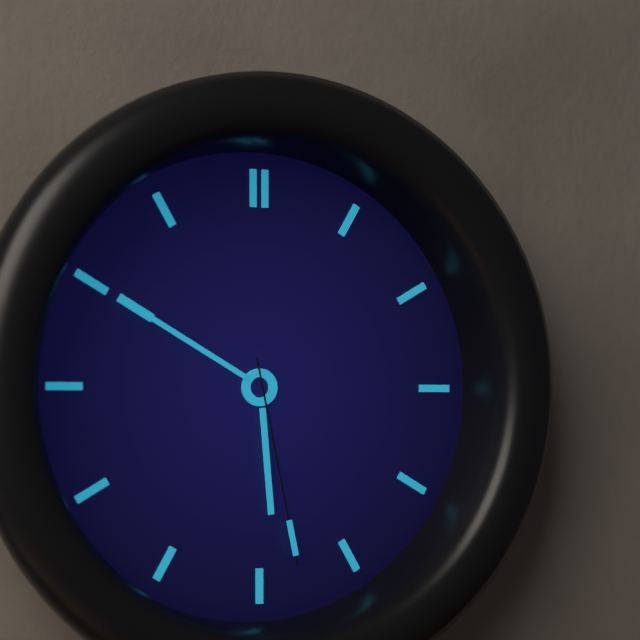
5.50.28
